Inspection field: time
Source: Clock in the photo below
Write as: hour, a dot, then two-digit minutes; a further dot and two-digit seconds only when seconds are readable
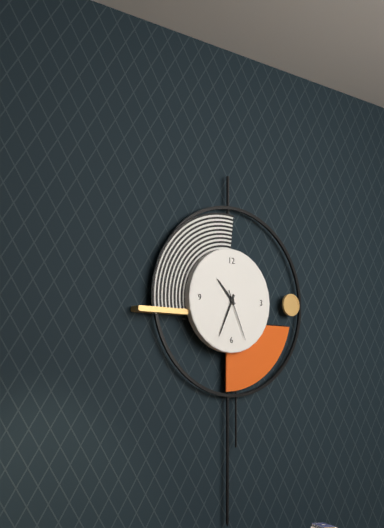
10.34.26
